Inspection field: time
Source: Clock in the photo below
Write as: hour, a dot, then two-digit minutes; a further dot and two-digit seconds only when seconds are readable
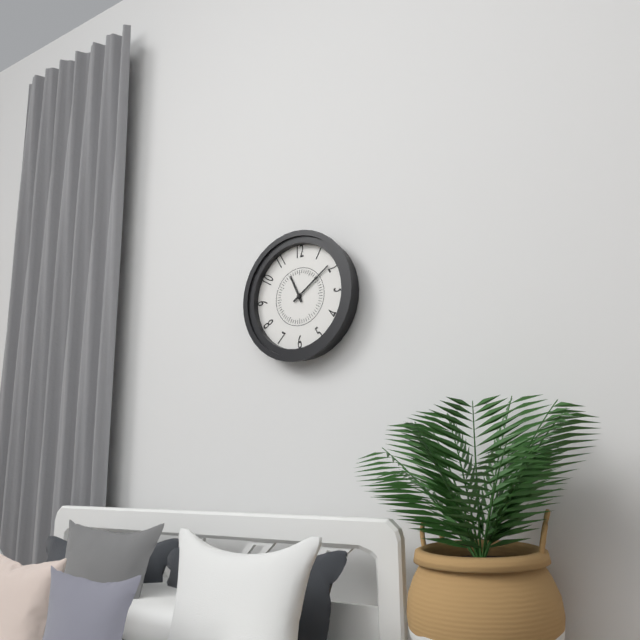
11.09
